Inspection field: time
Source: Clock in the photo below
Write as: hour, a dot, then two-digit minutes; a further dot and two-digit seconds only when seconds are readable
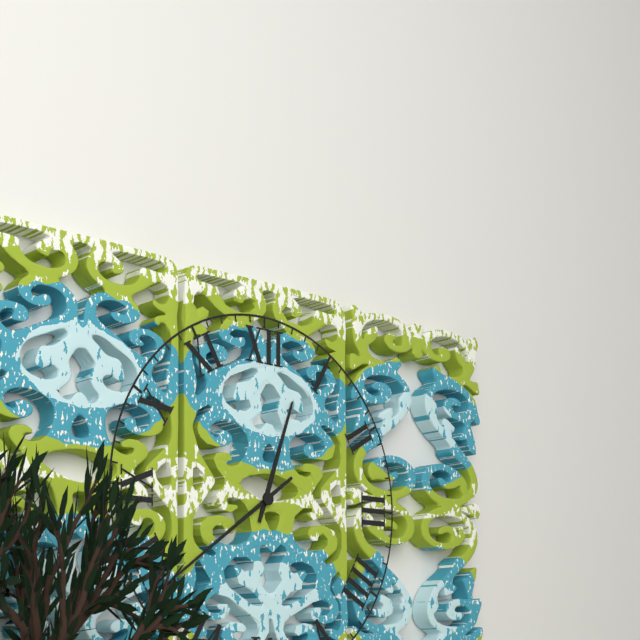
12.39
